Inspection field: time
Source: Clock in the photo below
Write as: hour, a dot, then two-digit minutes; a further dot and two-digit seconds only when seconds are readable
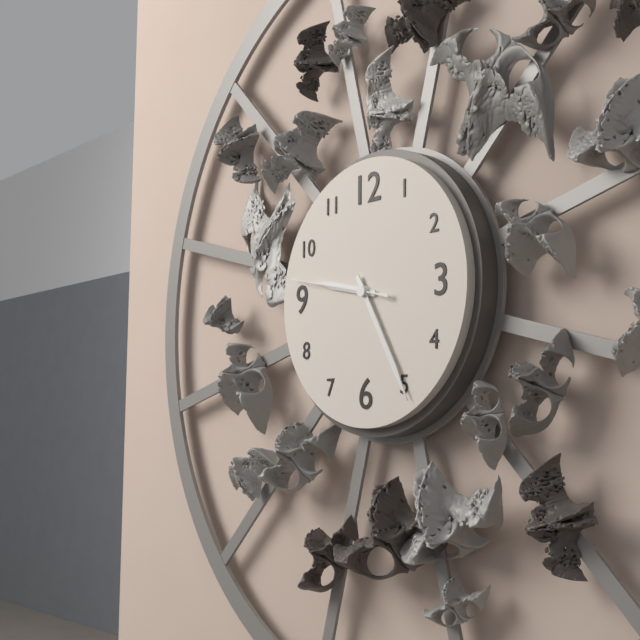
9.25.47
